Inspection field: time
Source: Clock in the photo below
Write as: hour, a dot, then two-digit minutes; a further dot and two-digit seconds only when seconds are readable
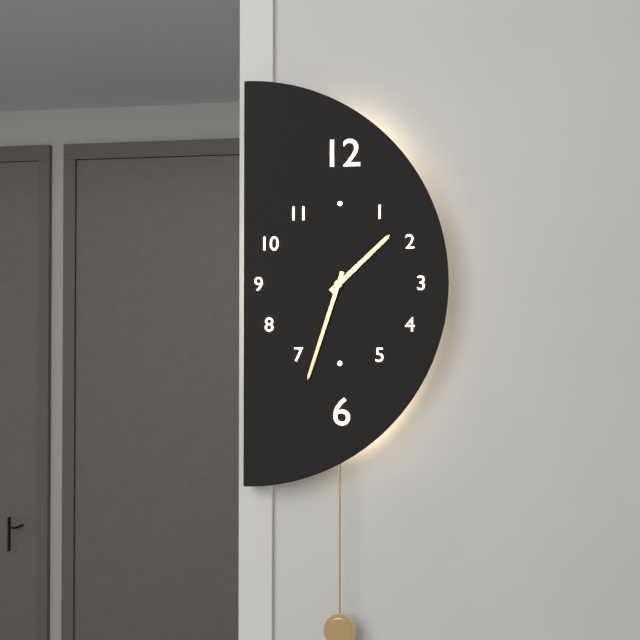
1.33
